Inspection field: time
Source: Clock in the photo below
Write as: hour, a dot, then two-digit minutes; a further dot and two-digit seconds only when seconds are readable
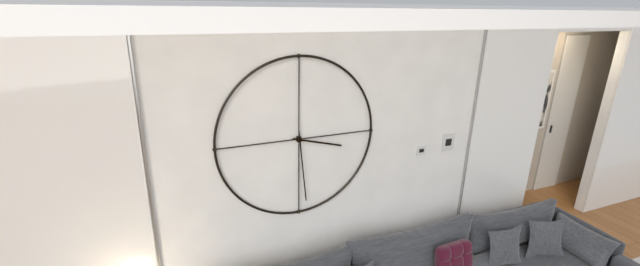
3.29
